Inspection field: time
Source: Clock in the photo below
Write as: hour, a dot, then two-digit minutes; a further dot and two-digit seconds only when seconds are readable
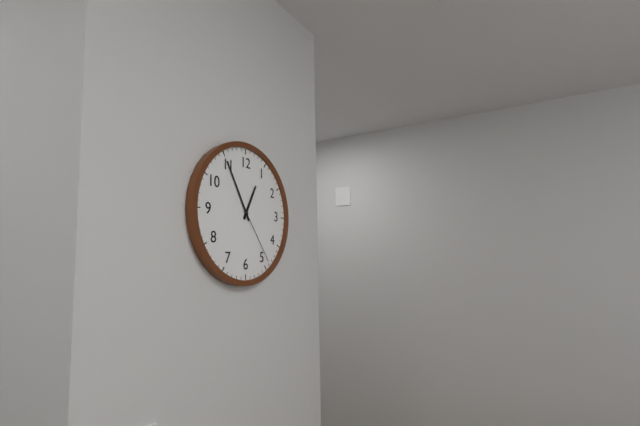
12.55.24
